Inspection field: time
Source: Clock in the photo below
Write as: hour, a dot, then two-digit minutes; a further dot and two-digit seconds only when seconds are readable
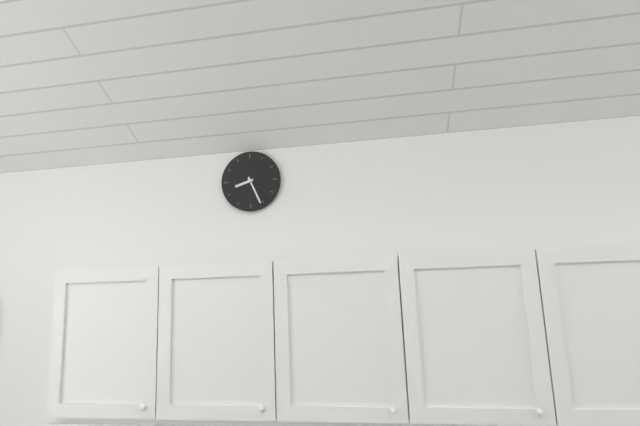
8.26
